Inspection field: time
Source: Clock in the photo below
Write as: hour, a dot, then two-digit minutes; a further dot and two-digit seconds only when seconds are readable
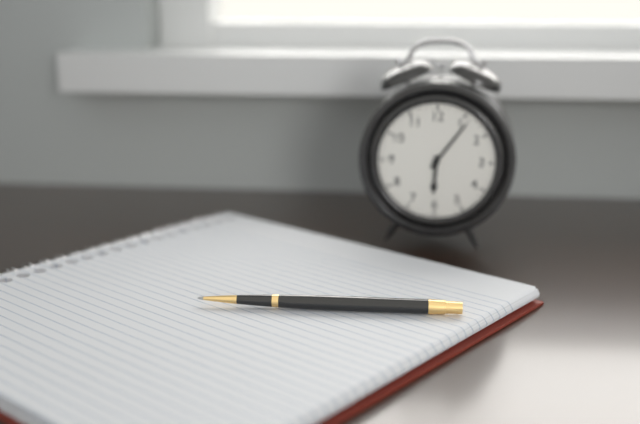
6.06
